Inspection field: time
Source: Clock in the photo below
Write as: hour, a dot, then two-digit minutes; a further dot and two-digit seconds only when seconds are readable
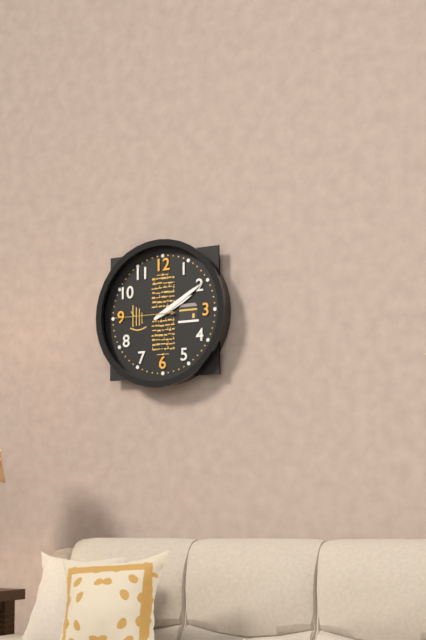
2.10.45
